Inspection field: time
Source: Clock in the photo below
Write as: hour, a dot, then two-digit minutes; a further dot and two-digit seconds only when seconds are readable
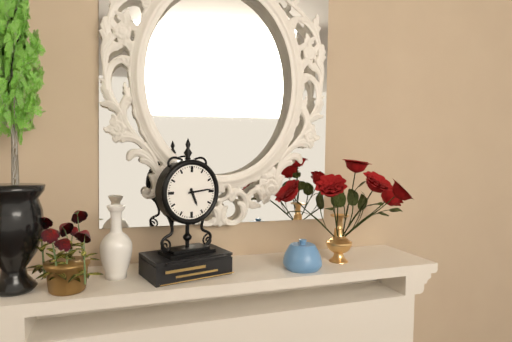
5.14
